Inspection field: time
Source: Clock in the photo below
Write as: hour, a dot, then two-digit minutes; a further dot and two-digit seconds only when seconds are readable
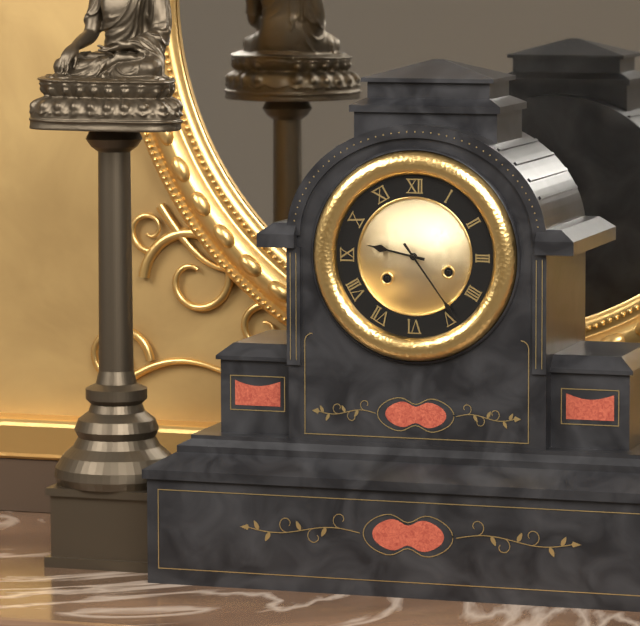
9.24
